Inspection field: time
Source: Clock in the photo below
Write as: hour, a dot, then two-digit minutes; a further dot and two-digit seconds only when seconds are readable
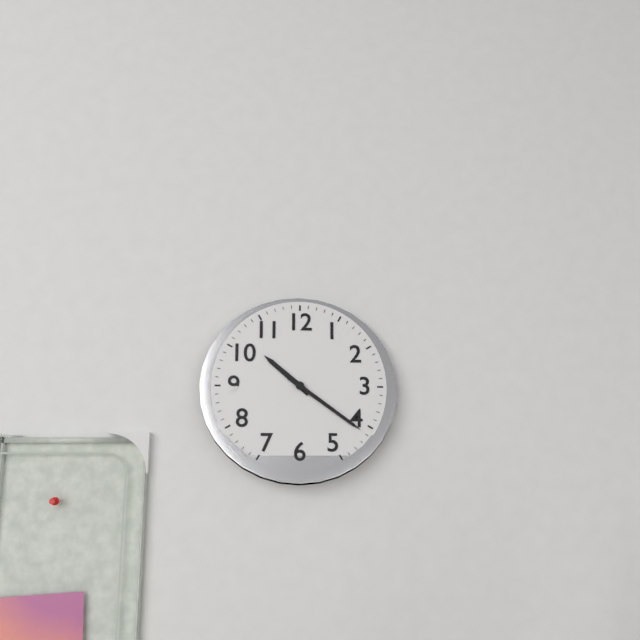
10.21
